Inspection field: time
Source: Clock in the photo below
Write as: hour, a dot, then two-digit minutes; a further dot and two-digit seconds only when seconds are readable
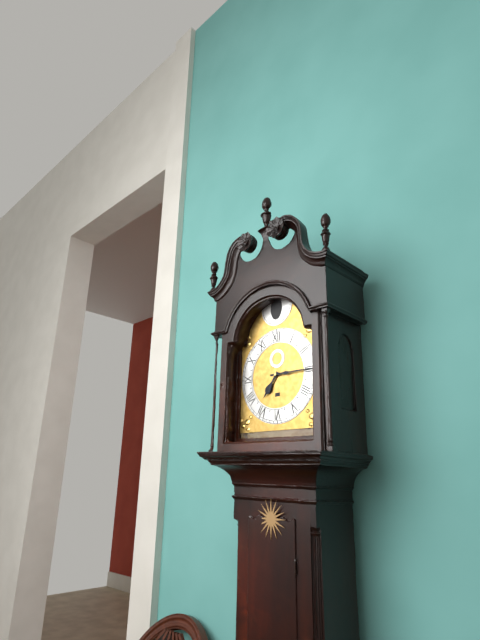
7.15
